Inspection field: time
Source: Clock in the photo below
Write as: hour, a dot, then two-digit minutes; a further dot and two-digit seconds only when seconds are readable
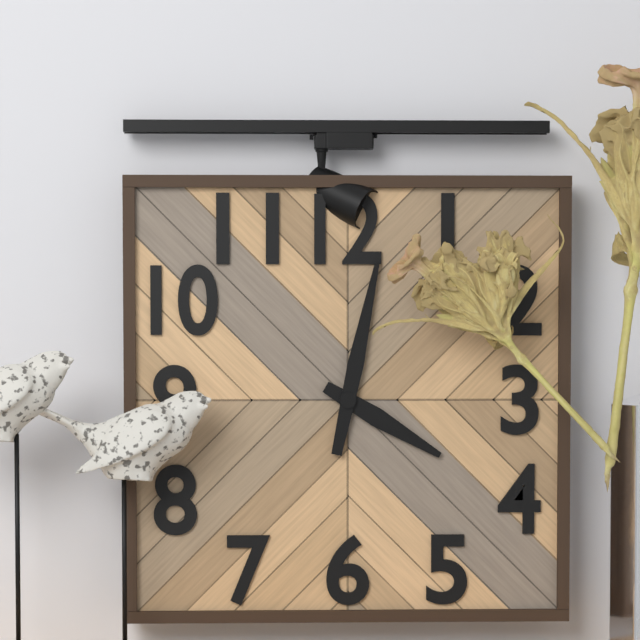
4.02
